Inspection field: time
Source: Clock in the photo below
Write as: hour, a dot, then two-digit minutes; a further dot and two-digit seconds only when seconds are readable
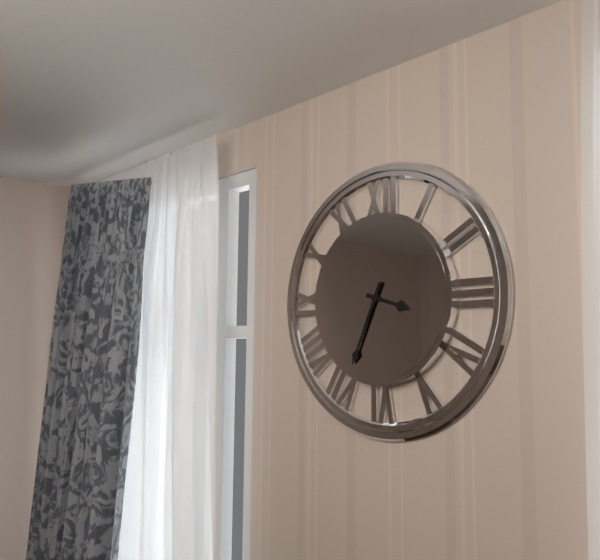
3.34
